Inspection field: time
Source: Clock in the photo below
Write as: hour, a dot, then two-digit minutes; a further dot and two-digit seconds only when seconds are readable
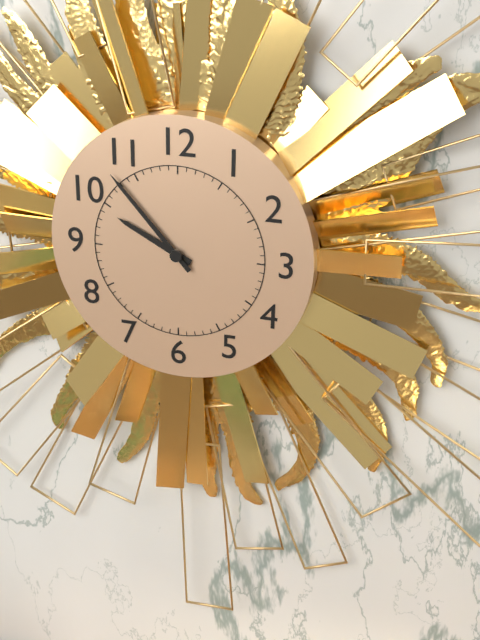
9.53
